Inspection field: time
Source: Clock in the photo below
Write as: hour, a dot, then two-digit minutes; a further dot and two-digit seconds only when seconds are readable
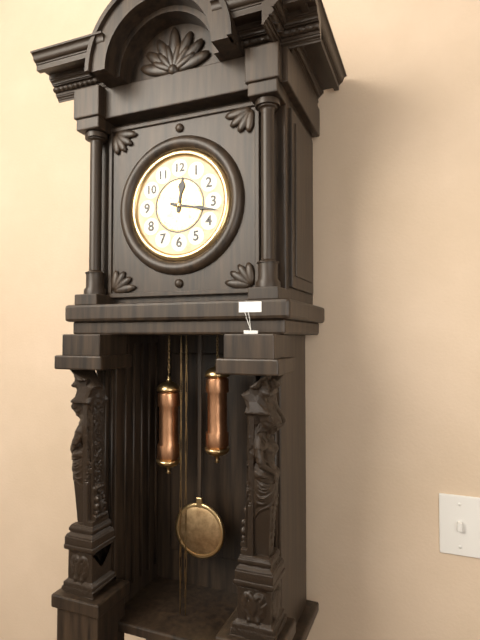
12.17
